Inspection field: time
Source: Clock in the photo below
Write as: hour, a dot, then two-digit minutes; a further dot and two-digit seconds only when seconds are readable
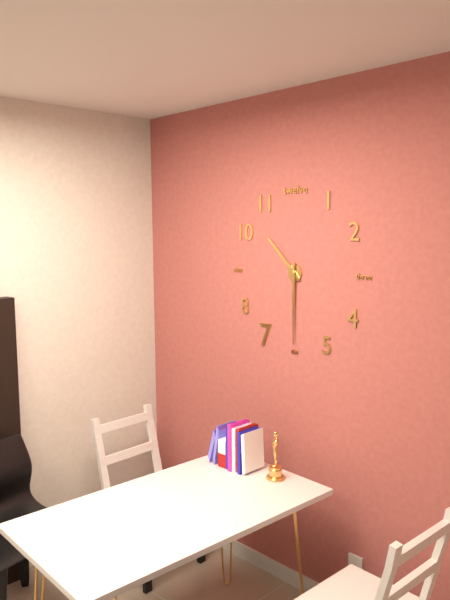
10.30
